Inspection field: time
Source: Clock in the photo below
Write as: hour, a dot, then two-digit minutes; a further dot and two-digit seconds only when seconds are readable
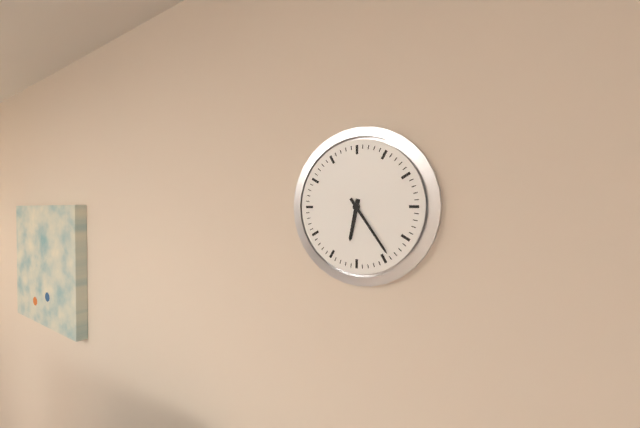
6.24
